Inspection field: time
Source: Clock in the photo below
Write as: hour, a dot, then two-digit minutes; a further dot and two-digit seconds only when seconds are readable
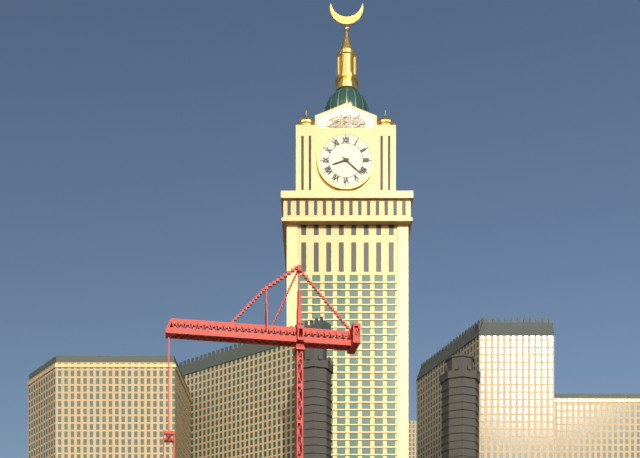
8.22
